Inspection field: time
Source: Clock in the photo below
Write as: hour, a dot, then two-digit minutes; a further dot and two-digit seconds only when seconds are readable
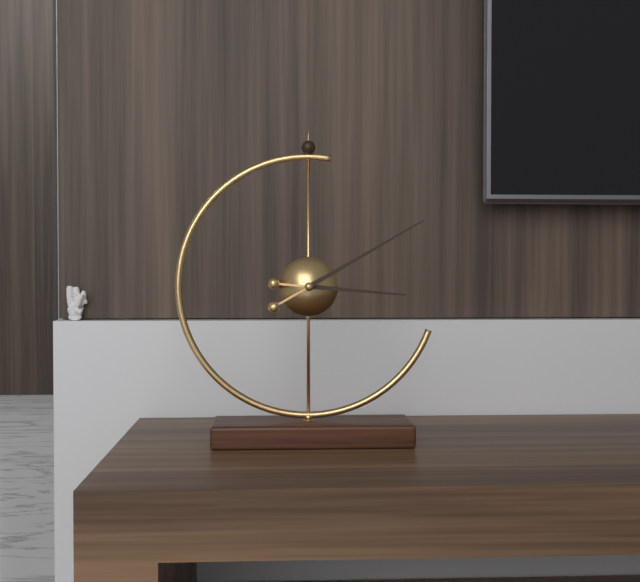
3.10
